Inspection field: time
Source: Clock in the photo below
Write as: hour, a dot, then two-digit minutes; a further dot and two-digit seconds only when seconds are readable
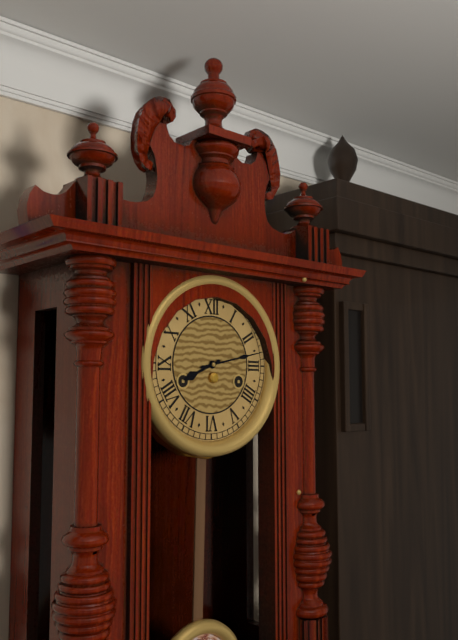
8.13
